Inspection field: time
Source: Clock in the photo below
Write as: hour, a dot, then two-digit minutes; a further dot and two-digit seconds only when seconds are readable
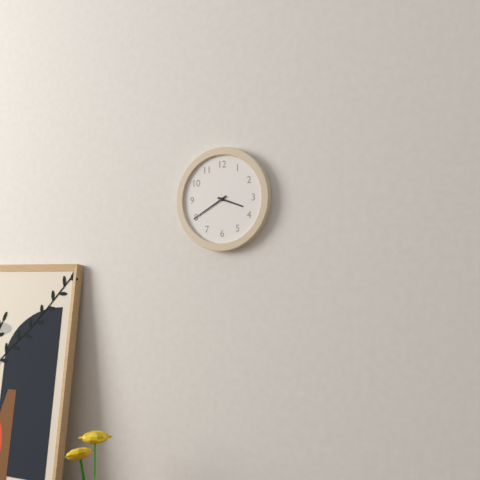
3.40
